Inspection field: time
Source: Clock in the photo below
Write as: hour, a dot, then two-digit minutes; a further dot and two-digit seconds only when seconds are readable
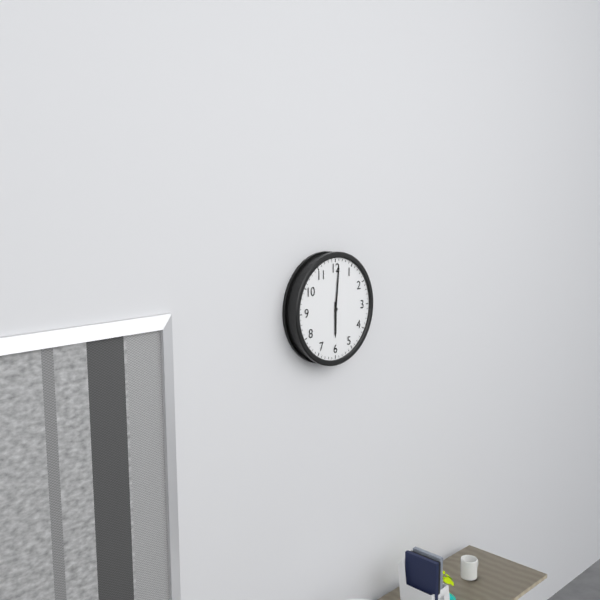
6.01
